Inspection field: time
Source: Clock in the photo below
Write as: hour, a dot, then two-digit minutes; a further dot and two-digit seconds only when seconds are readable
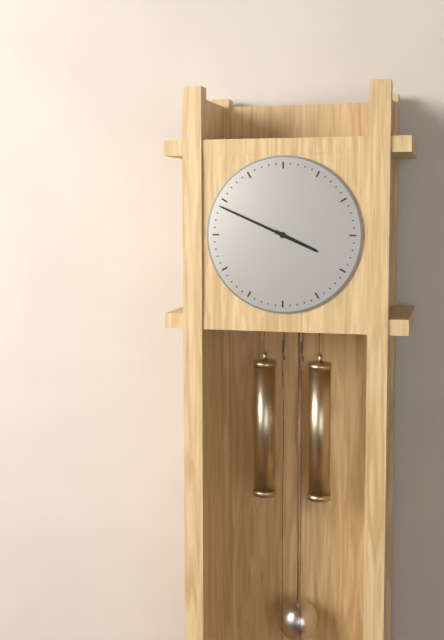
3.49
